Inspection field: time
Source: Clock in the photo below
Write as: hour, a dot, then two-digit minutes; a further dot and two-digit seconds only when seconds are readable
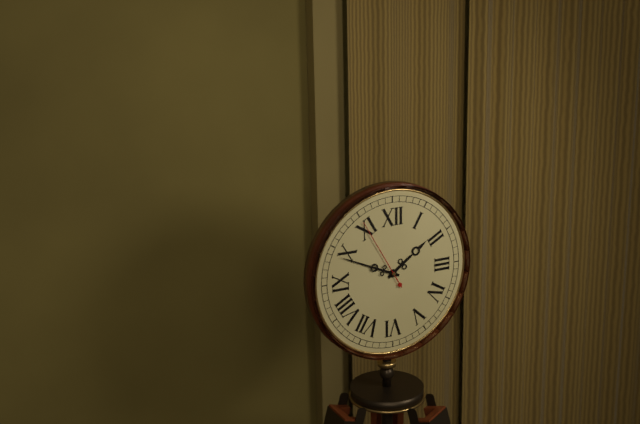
1.49.55
